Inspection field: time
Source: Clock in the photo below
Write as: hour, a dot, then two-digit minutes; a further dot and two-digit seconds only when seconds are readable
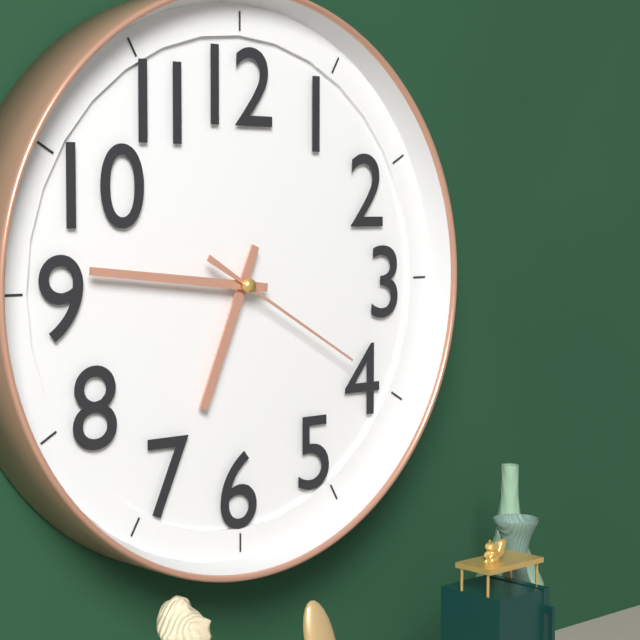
6.46.20
